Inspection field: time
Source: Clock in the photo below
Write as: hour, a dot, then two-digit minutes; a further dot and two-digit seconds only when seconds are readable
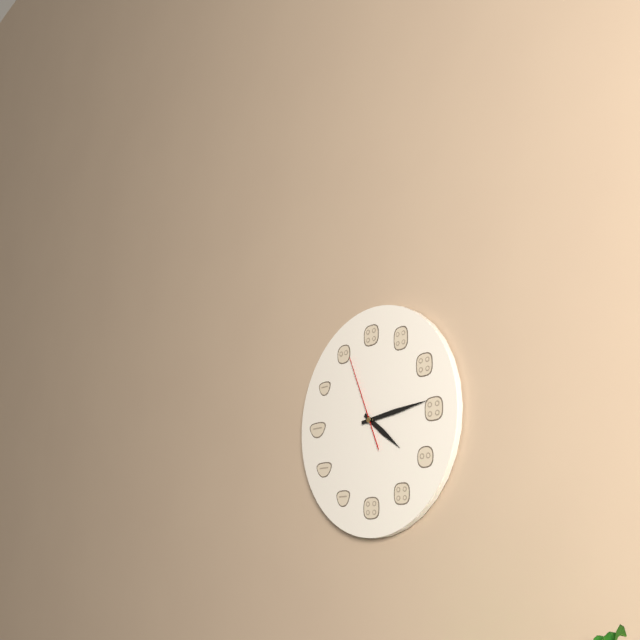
4.14.56
